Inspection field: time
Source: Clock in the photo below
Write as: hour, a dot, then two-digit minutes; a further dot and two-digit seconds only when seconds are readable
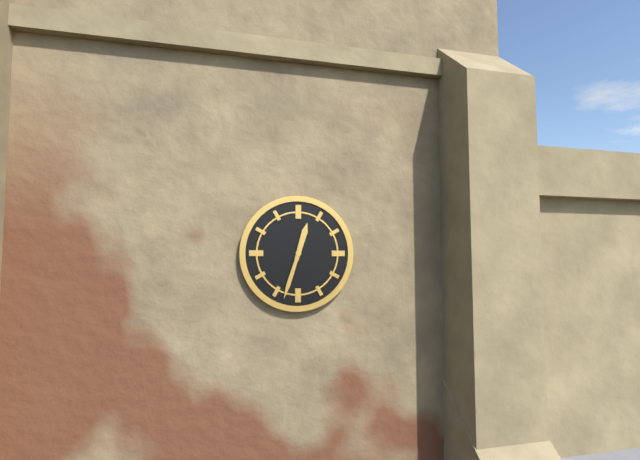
12.33
